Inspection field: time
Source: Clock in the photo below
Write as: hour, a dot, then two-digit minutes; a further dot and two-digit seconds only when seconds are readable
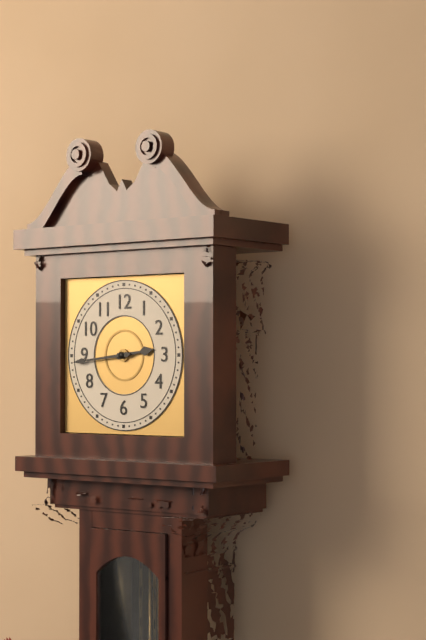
2.44
